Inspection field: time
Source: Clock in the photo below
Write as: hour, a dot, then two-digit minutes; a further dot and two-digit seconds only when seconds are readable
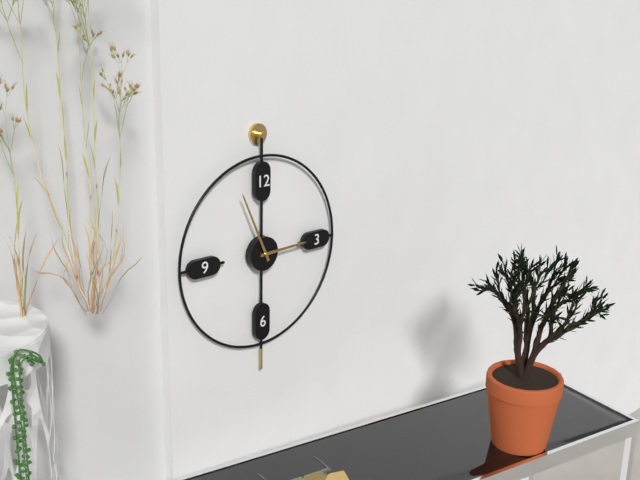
2.56
